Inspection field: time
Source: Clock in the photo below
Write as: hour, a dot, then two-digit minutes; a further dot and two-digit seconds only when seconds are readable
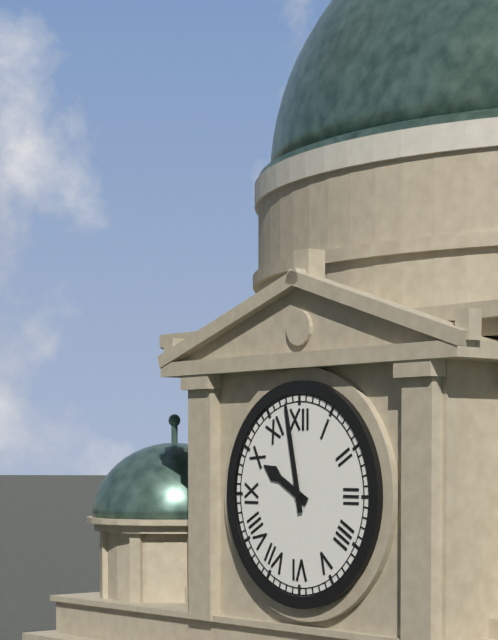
9.58
